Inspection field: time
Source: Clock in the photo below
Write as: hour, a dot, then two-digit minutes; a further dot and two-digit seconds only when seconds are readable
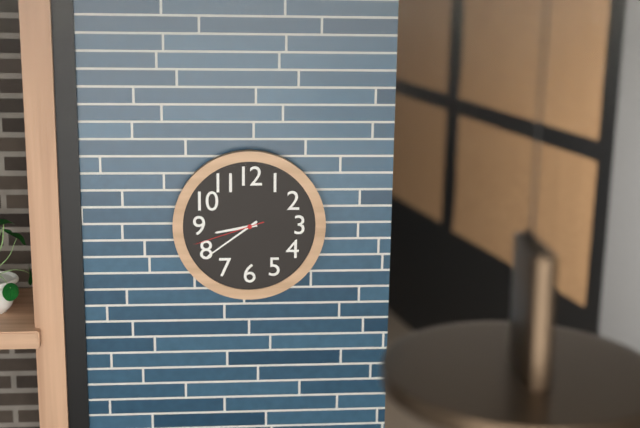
8.39.42
